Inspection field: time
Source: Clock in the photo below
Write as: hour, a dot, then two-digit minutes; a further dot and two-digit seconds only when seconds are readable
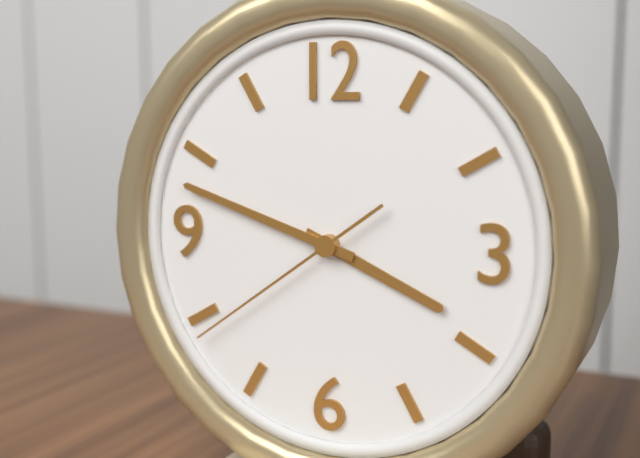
3.48.39
